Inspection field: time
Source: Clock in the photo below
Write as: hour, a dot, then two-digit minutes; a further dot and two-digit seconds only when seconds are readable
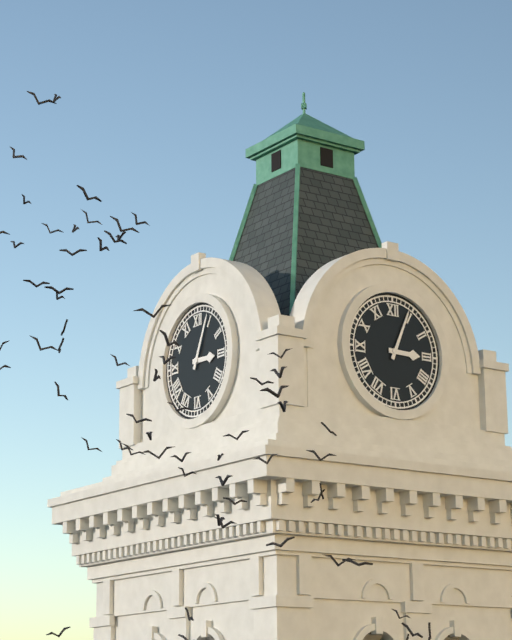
3.04
